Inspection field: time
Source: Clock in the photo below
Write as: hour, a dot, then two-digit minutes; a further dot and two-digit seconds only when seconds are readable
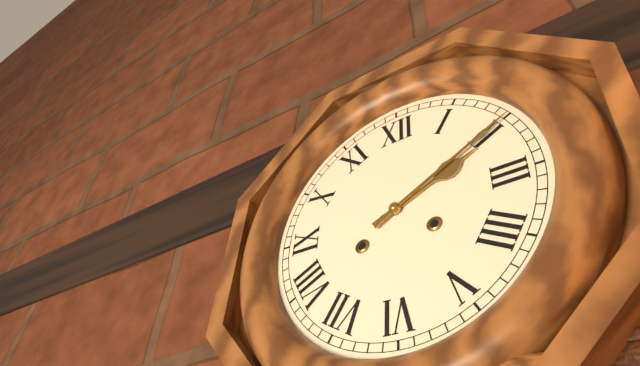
2.10
